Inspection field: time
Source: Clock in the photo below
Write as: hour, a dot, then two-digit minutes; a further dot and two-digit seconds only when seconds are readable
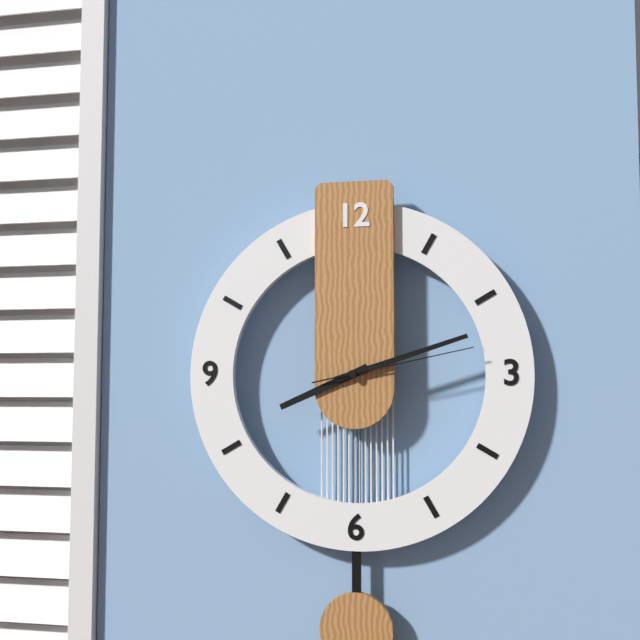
8.12.13
